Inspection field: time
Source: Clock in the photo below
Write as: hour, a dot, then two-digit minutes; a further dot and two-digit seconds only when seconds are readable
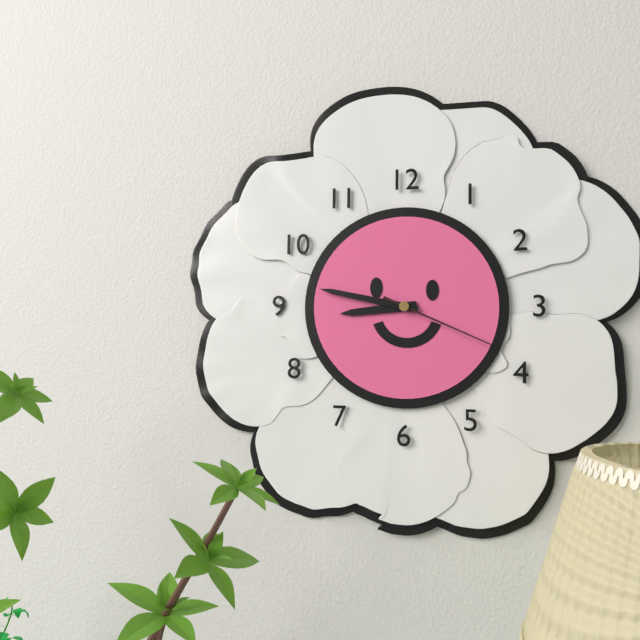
8.47.19
